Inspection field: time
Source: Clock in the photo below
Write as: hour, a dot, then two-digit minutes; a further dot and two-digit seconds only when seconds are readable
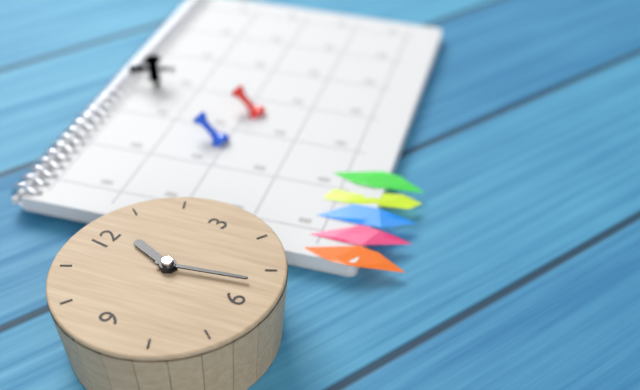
12.27
